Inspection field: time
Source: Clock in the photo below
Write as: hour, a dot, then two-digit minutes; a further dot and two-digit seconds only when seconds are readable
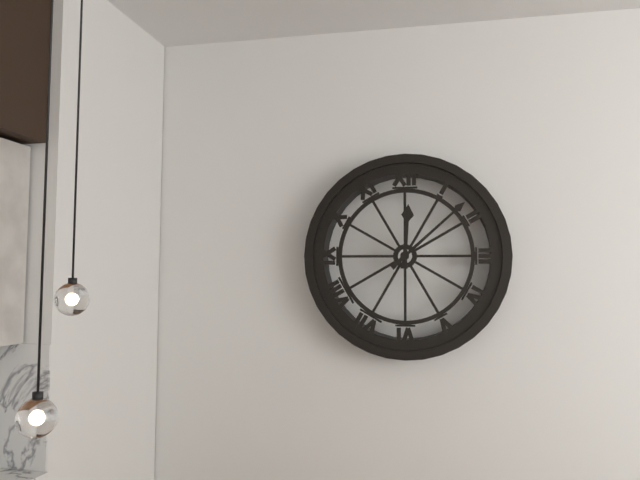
12.08
